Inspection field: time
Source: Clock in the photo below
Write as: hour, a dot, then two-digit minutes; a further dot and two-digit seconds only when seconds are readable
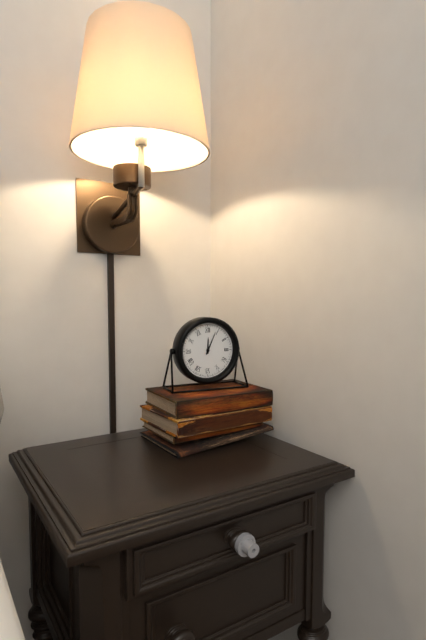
12.04
